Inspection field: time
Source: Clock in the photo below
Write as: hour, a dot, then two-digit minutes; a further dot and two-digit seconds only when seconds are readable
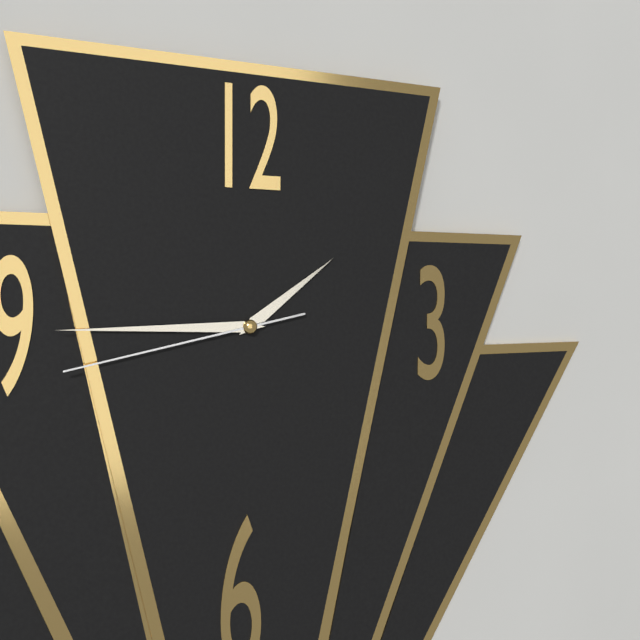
1.45.43
